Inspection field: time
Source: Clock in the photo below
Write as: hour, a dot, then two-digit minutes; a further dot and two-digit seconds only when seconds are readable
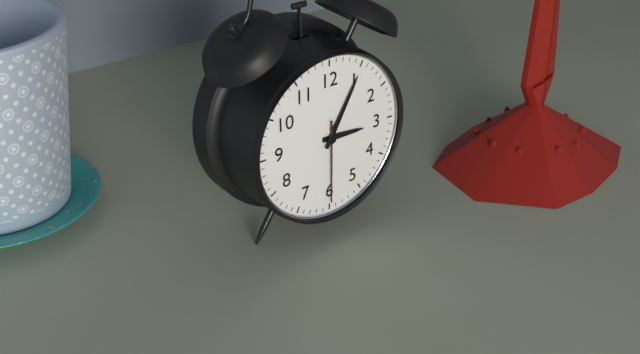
3.05.30
